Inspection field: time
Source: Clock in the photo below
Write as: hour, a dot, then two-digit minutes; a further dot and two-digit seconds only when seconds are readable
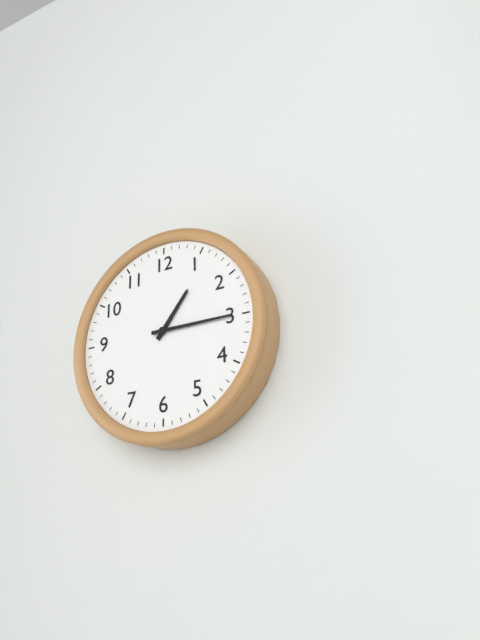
1.15
